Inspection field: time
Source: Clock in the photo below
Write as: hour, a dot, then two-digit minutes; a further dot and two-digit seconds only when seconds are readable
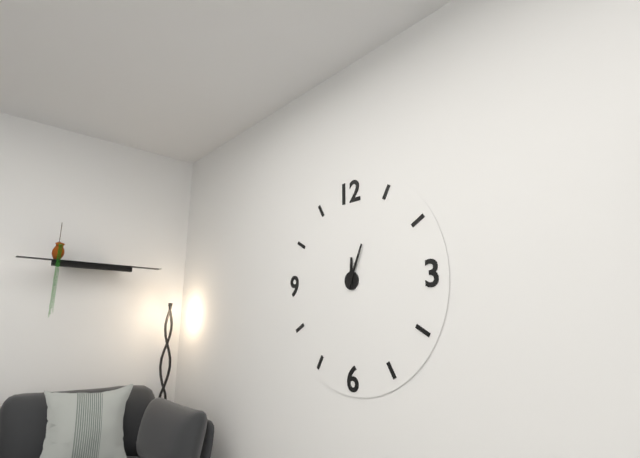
12.04
